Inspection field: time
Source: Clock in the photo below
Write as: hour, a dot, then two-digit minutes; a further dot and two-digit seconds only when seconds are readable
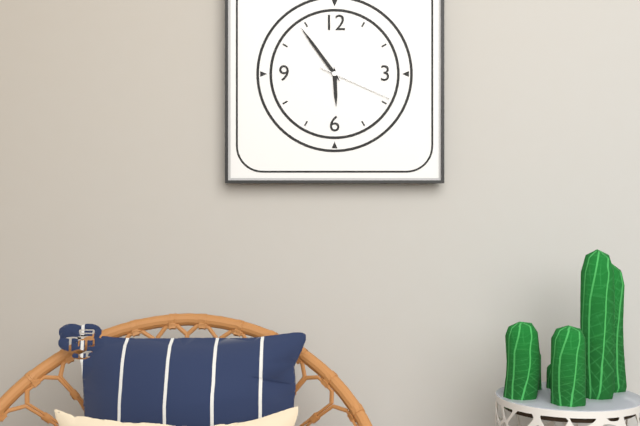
5.54.19
